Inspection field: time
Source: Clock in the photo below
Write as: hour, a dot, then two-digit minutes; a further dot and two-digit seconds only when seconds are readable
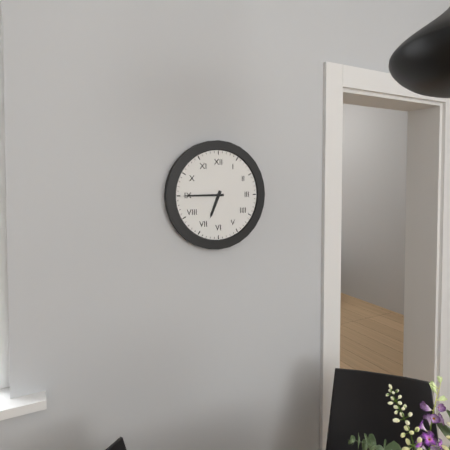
6.45
